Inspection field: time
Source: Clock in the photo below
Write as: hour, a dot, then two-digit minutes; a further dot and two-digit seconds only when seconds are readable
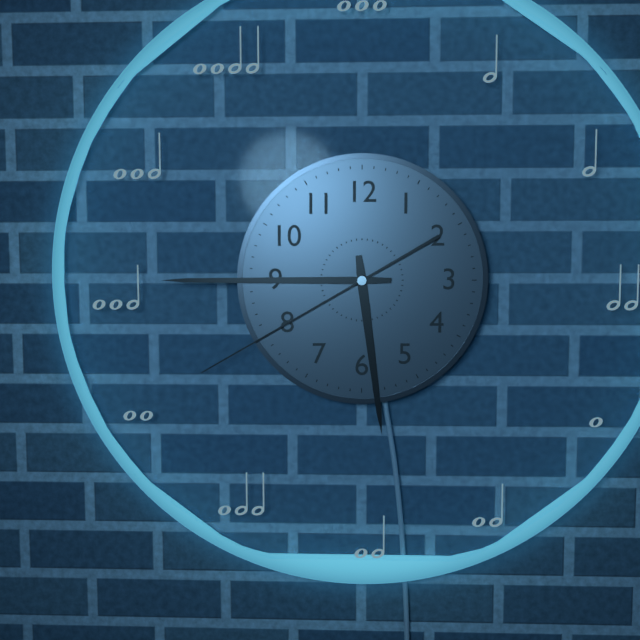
5.45.40
